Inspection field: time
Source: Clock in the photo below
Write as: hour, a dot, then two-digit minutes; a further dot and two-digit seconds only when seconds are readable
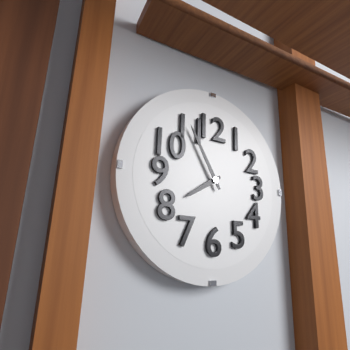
7.55
